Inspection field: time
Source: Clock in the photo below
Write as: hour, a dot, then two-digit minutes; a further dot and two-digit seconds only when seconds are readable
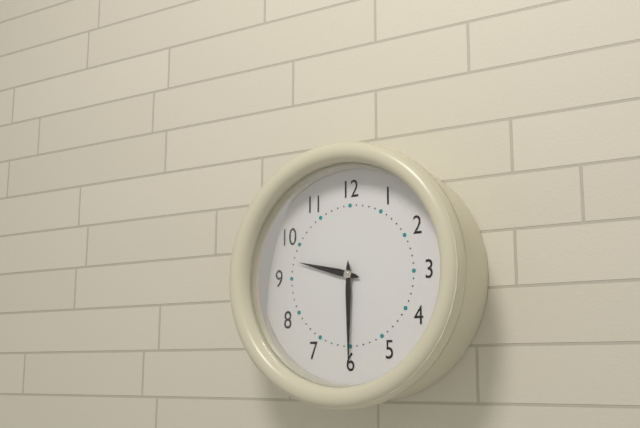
9.30
